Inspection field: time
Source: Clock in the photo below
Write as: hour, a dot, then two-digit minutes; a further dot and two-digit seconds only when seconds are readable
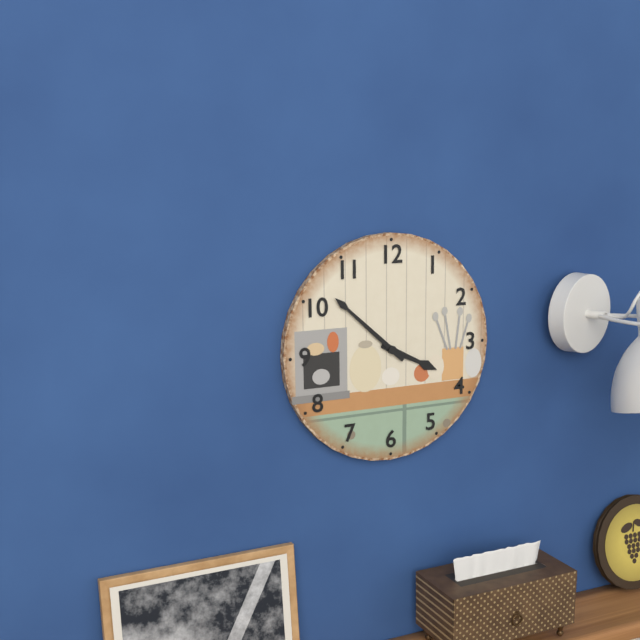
3.52
